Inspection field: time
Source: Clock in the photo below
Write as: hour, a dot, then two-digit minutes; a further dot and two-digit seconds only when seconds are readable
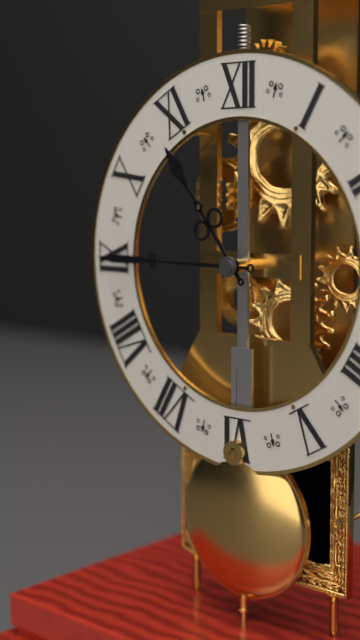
10.45
